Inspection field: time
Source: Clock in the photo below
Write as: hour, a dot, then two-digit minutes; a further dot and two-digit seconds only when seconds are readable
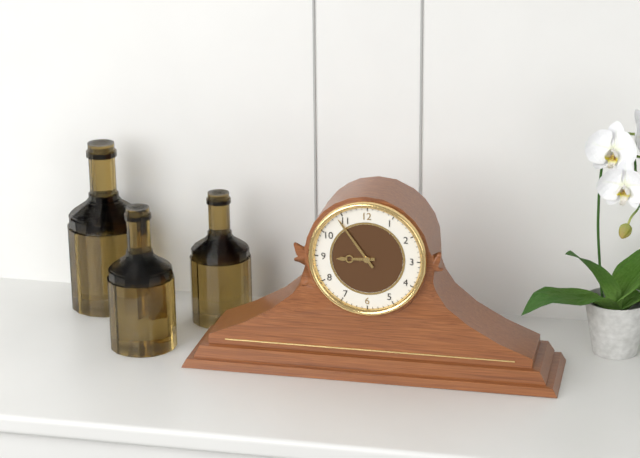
8.54
